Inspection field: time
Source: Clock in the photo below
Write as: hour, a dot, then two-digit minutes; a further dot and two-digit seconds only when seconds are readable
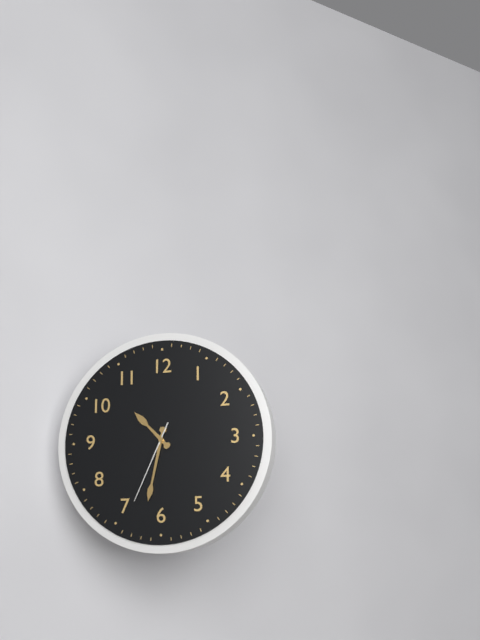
10.32.34
